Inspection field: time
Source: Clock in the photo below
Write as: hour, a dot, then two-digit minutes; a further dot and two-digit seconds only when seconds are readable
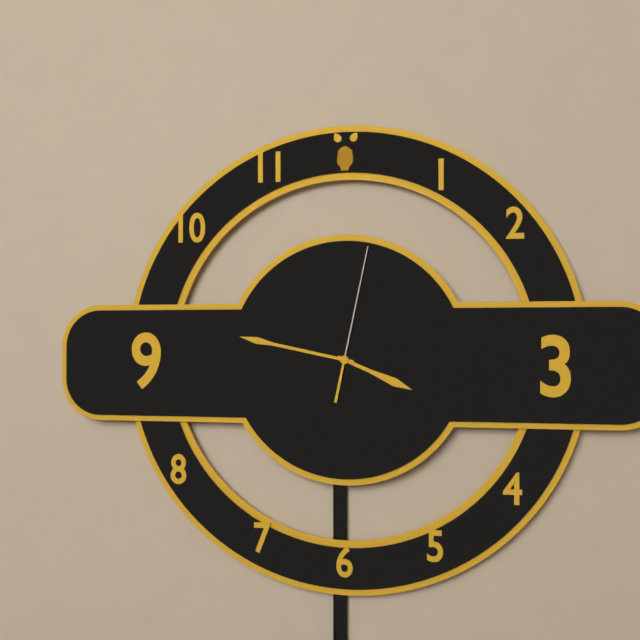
3.47.02
